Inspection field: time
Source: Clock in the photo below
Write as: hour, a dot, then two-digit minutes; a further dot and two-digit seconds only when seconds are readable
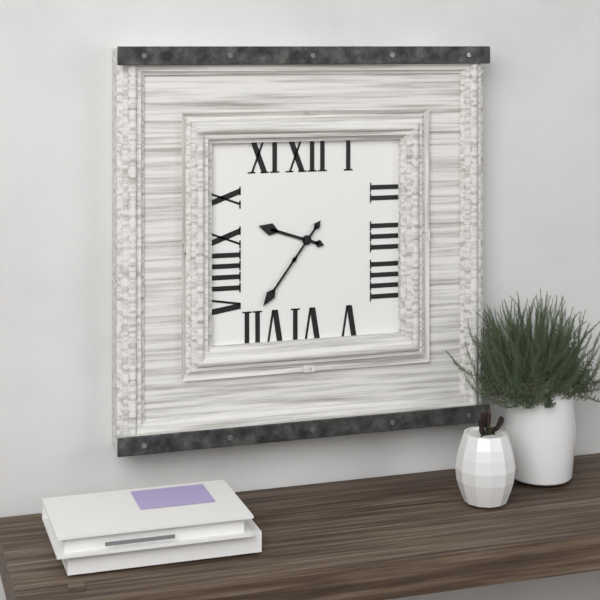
9.36
